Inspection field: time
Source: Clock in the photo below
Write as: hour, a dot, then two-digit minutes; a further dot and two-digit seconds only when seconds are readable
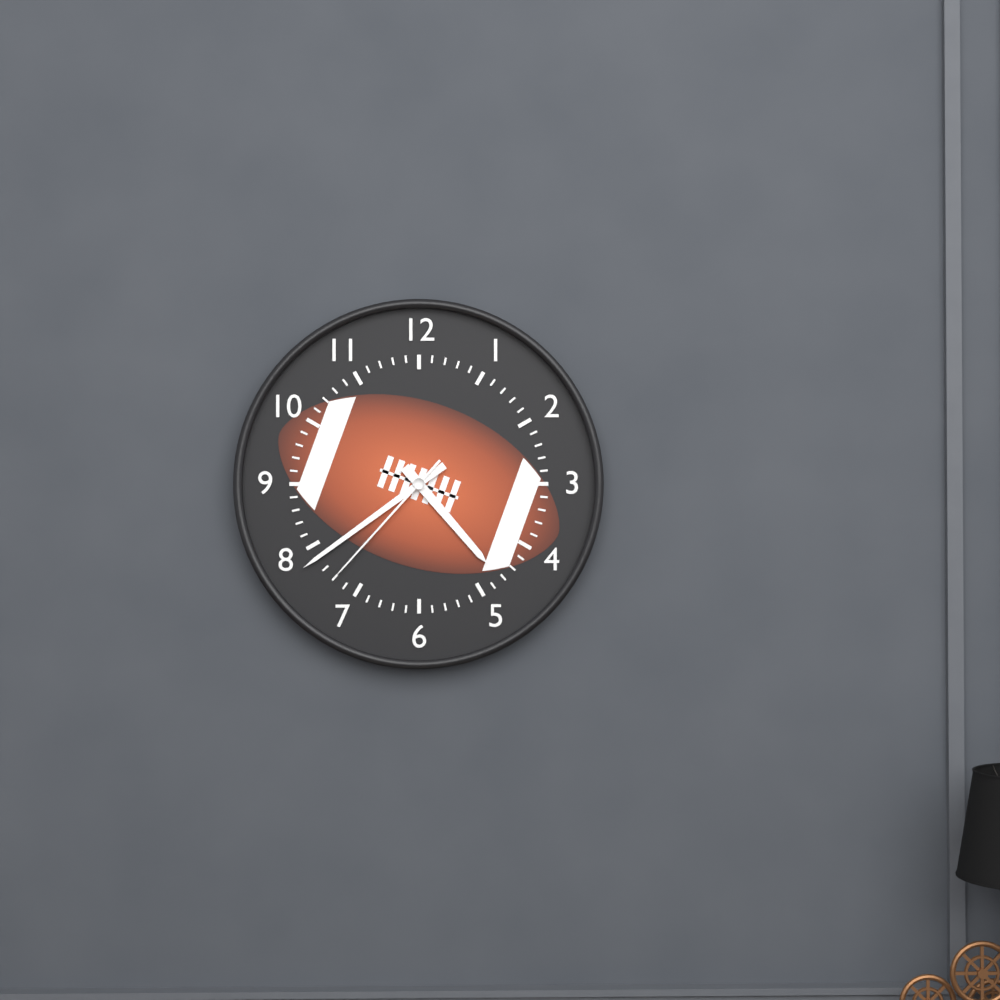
4.39.37
